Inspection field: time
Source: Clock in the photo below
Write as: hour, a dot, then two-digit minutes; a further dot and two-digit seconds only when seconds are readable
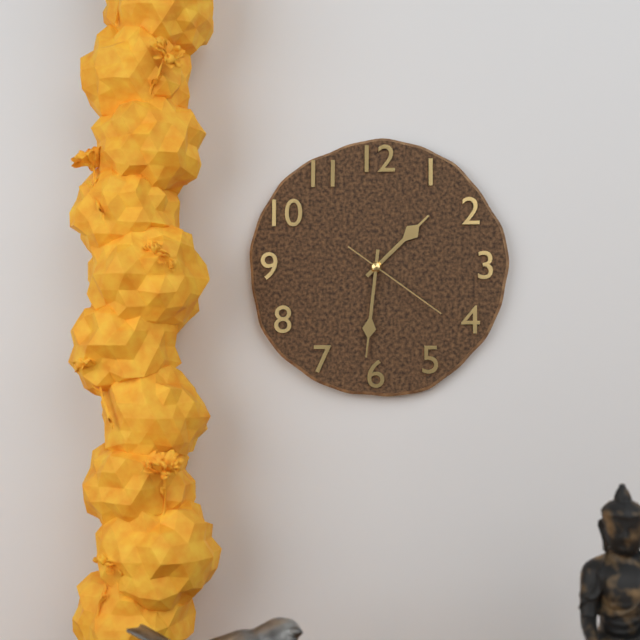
1.31.21
